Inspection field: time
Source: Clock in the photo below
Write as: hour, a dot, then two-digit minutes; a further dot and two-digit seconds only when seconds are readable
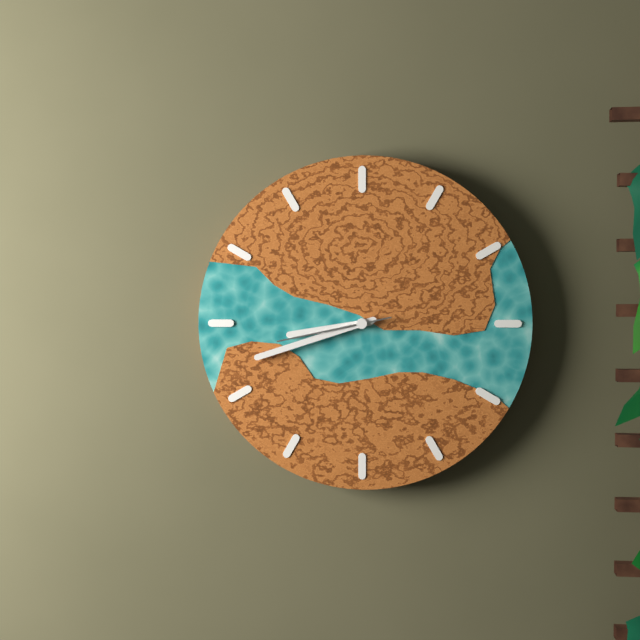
8.42.43
